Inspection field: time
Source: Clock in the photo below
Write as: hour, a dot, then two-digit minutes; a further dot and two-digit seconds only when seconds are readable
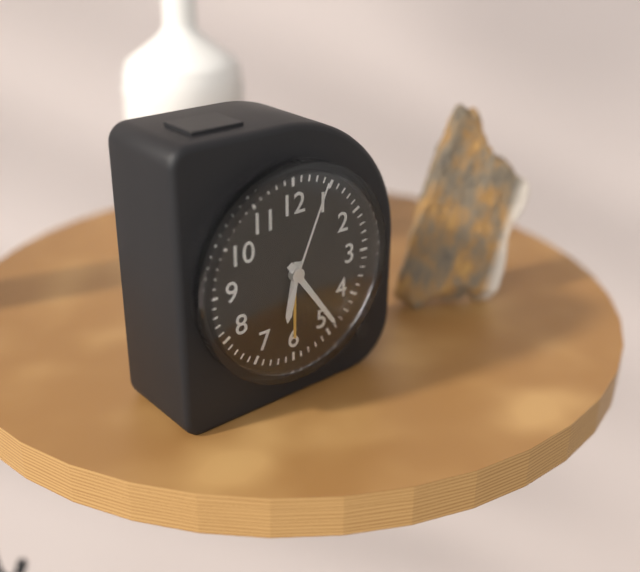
6.24.04
